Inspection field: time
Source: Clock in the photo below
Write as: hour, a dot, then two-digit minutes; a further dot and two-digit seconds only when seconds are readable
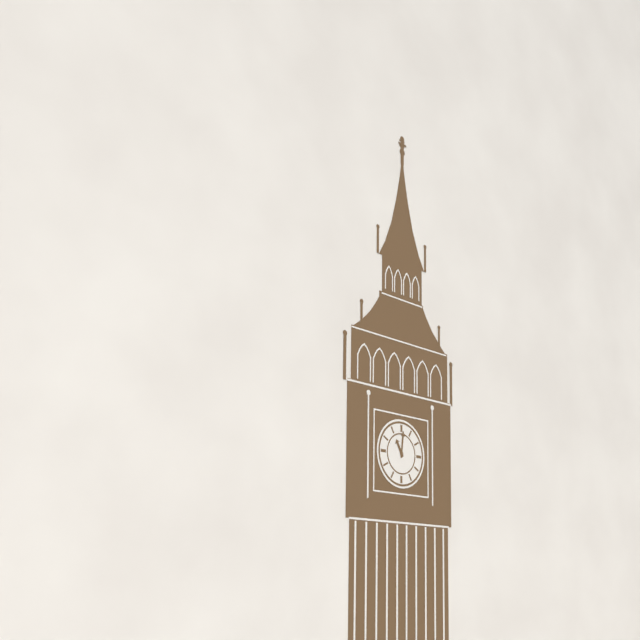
11.01
